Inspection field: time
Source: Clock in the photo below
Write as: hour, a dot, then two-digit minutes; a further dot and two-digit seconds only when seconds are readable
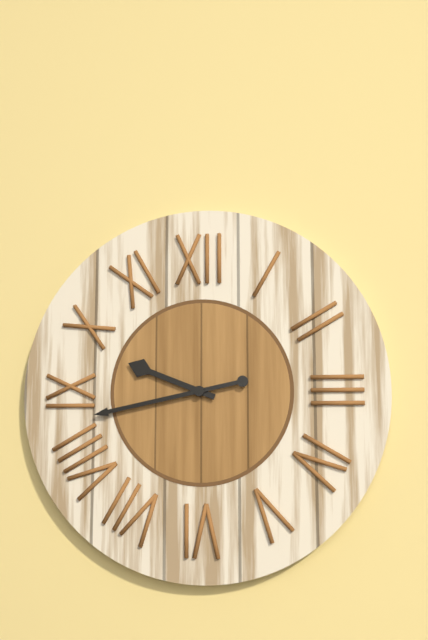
9.43
